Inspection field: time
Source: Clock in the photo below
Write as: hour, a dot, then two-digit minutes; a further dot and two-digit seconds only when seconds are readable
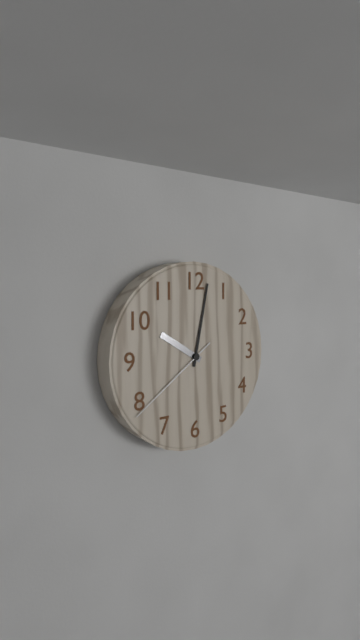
10.02.39
